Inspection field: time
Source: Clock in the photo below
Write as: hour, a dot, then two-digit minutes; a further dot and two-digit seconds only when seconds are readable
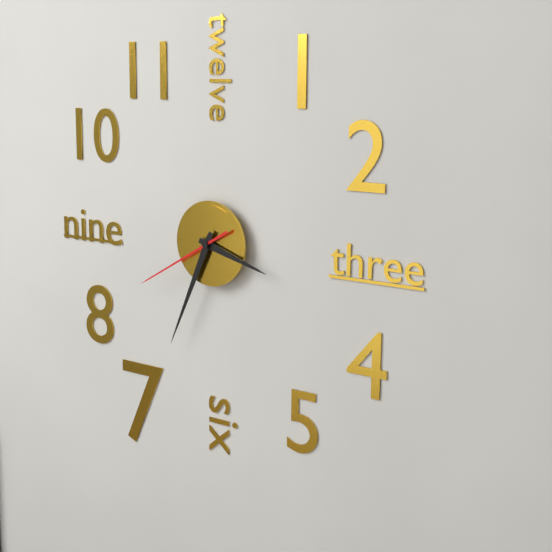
3.34.40
